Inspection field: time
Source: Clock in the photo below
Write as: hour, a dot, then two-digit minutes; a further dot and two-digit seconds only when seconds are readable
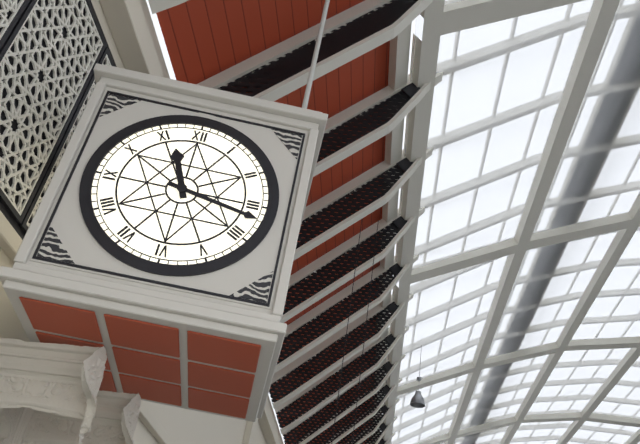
11.17
